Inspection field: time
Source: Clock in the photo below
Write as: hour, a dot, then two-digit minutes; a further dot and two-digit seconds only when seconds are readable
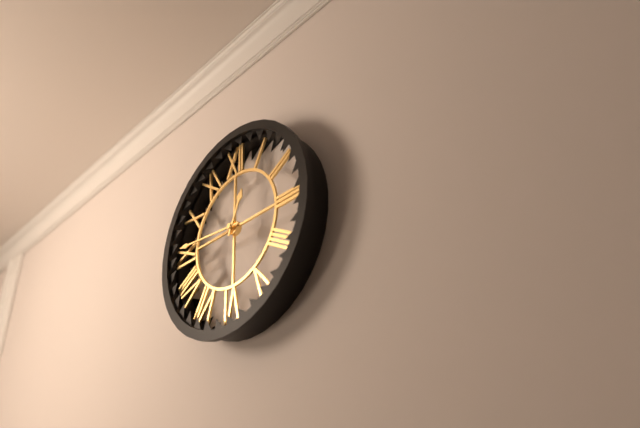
12.46
